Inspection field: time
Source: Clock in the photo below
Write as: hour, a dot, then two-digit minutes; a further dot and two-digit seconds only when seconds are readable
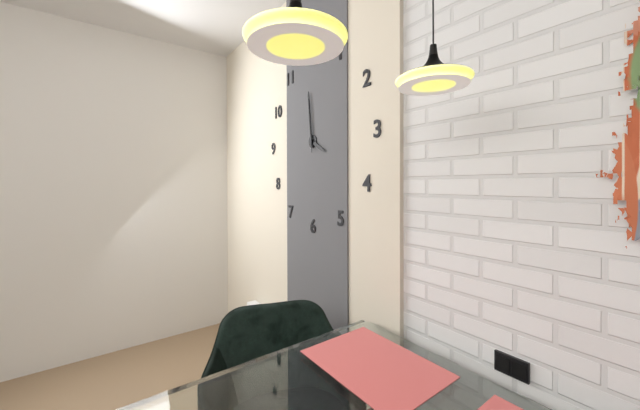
3.59.59
